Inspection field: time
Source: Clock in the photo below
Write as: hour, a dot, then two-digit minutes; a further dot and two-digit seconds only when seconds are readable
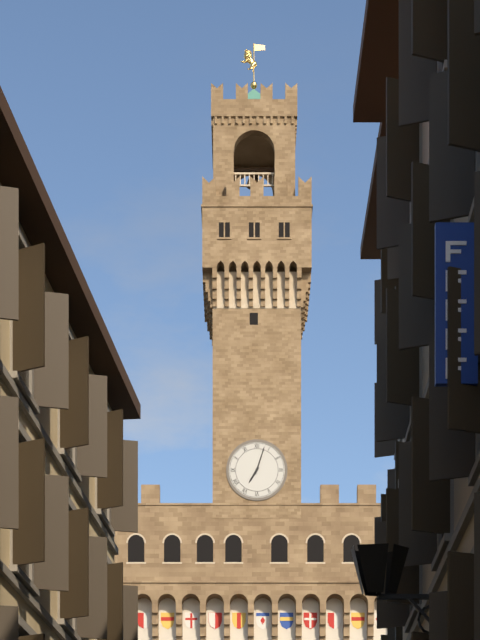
7.03
